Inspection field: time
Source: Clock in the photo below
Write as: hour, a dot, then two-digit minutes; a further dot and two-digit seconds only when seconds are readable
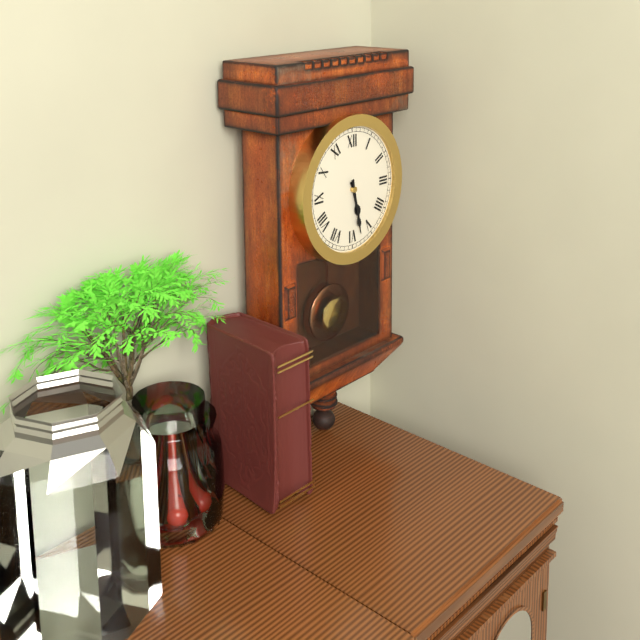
5.28
